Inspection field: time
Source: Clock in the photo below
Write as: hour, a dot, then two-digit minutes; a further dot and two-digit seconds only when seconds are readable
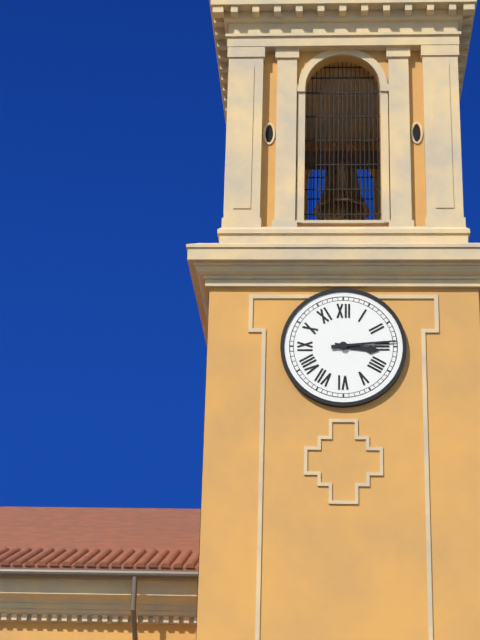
3.14
